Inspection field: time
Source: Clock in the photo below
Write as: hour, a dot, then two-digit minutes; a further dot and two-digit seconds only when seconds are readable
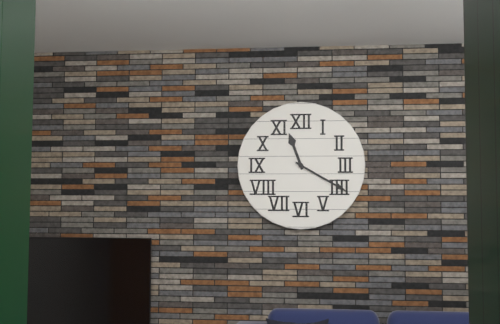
11.20
